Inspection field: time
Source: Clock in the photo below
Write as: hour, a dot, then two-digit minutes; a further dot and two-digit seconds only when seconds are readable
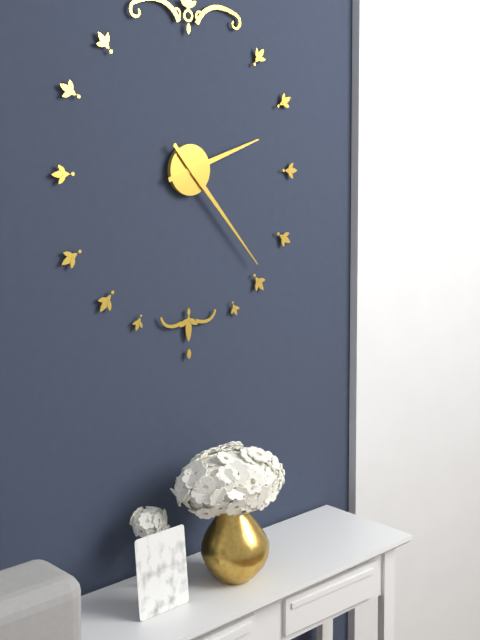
2.23
